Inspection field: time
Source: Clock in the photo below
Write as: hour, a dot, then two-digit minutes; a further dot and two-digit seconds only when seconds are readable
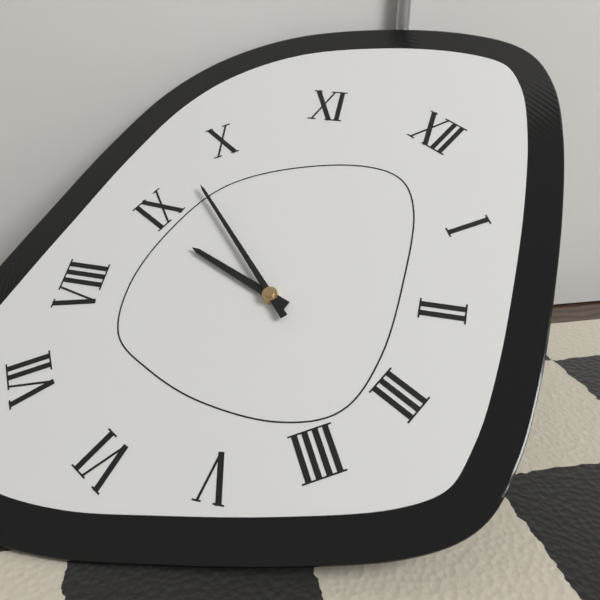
8.48
